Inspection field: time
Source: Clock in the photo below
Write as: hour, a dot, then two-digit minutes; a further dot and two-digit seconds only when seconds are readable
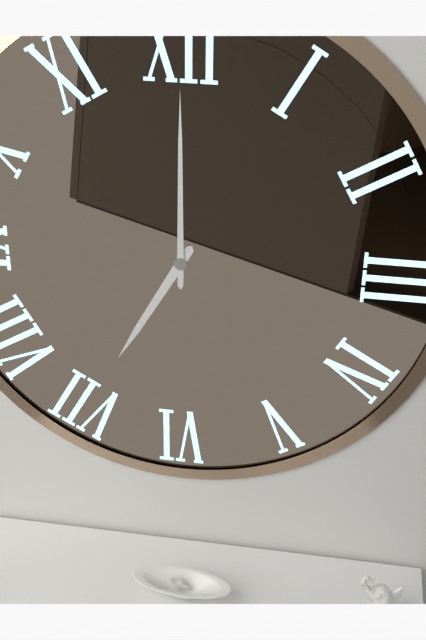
7.00
